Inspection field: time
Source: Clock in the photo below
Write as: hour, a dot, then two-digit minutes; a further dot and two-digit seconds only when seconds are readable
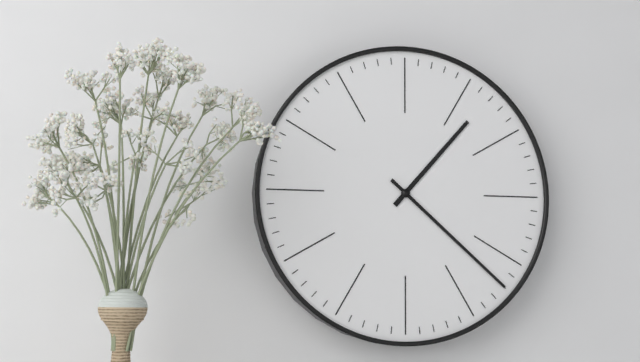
1.22
